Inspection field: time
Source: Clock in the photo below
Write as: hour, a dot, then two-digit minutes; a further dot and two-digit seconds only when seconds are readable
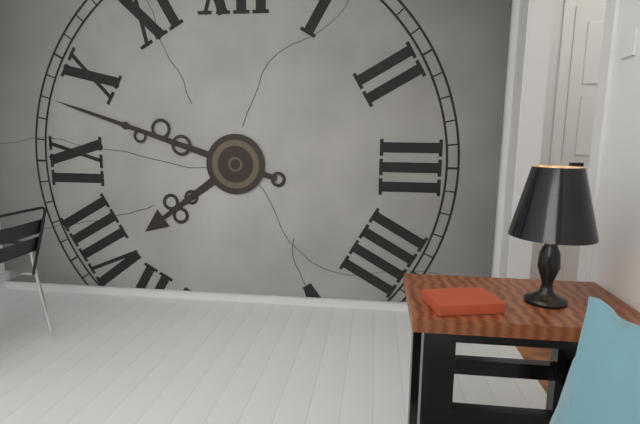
7.48
